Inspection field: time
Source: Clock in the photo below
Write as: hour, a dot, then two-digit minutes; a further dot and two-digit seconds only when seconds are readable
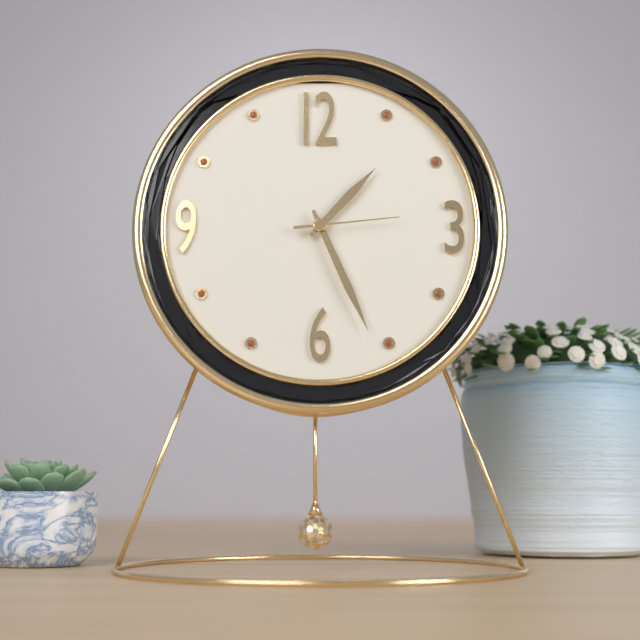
1.26.14
